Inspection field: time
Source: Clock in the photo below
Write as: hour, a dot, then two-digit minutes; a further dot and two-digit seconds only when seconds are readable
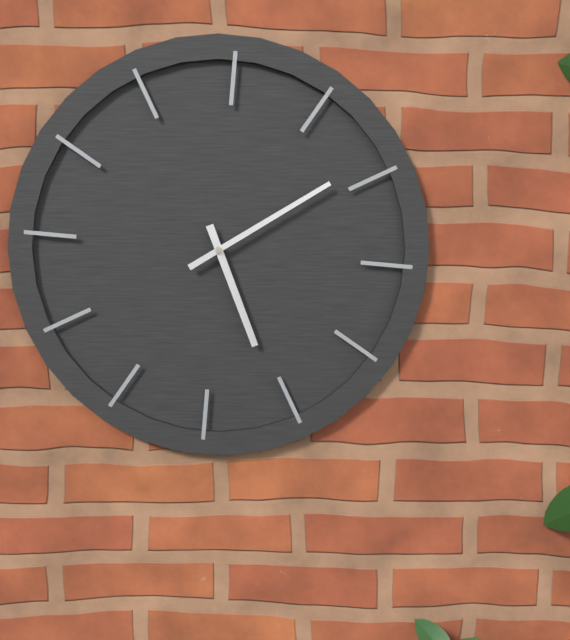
5.09
